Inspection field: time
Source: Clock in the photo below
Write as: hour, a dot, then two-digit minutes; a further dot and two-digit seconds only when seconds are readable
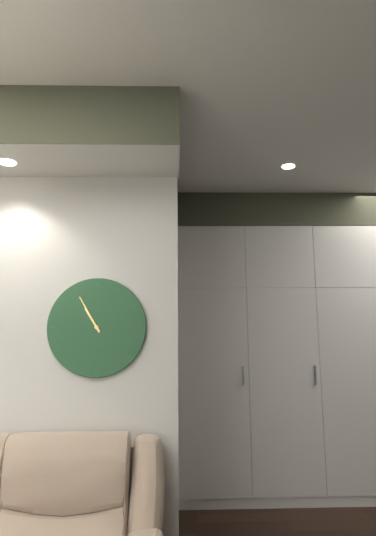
10.55
